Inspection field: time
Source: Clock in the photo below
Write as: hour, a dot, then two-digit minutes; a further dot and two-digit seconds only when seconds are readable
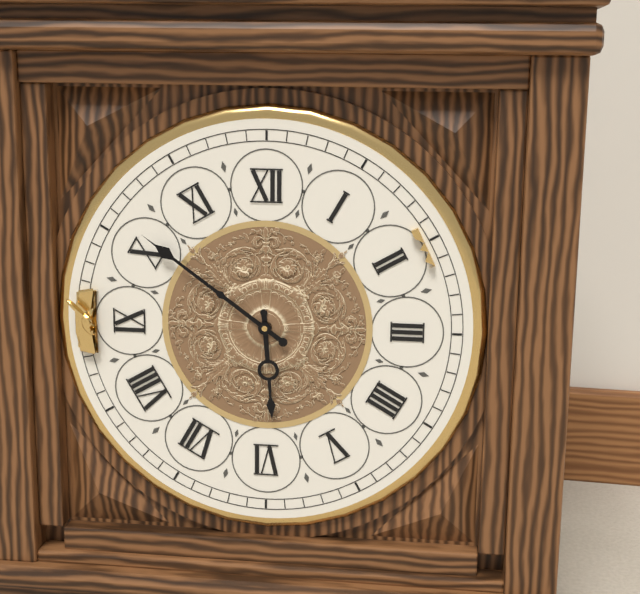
5.51
